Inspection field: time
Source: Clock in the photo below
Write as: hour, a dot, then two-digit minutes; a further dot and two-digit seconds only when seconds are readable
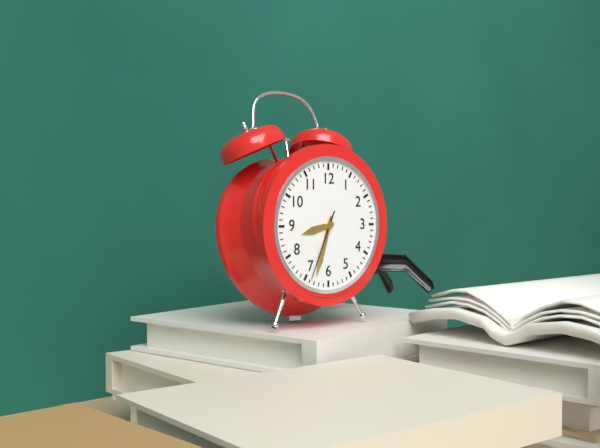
8.33.34
